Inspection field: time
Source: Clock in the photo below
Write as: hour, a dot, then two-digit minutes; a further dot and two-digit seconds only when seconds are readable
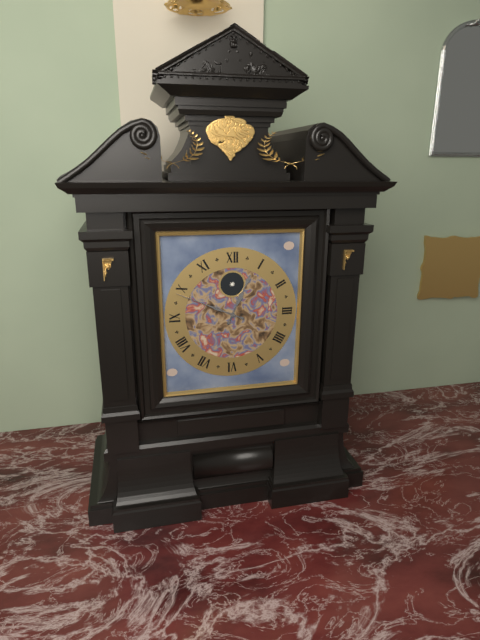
12.49
